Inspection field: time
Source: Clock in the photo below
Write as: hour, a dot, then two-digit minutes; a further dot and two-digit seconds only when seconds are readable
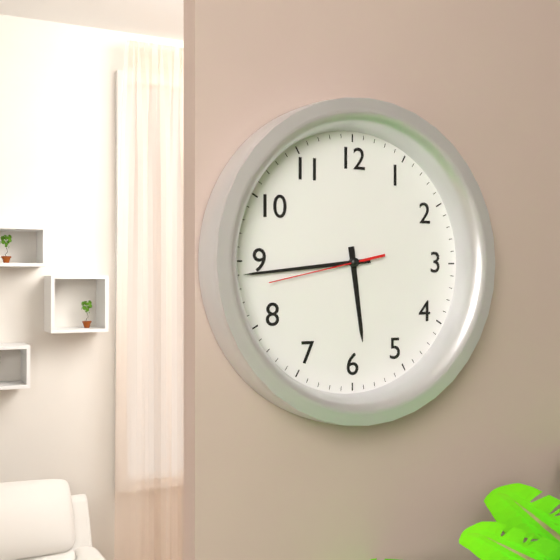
5.44.43
